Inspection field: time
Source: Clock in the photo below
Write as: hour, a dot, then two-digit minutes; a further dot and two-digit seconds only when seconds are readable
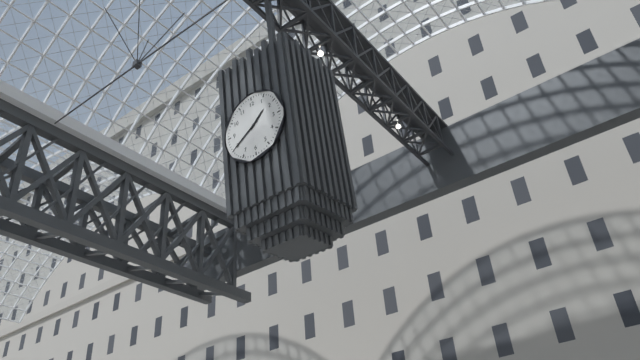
1.40
